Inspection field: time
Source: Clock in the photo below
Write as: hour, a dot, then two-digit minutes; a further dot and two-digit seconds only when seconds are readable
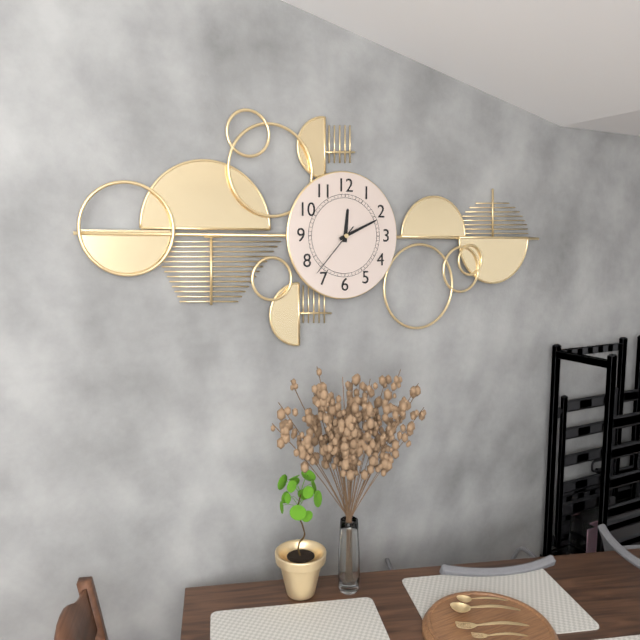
12.11.37
